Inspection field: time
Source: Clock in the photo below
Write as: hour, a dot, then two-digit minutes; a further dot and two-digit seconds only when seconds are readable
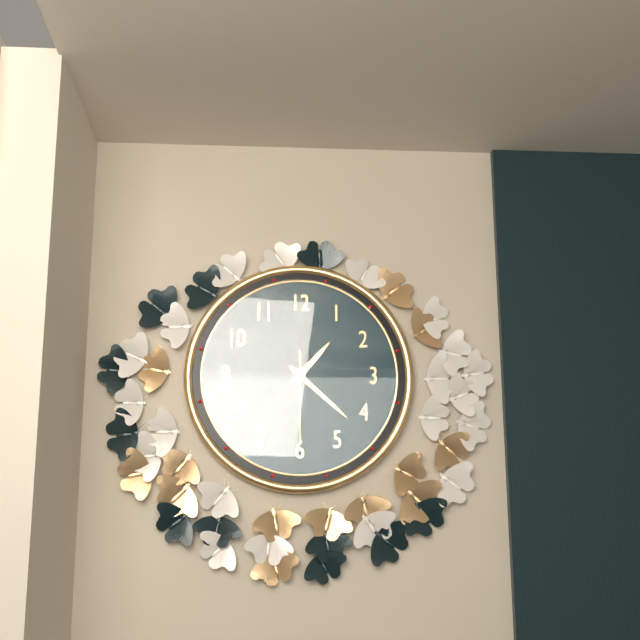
1.22.30
